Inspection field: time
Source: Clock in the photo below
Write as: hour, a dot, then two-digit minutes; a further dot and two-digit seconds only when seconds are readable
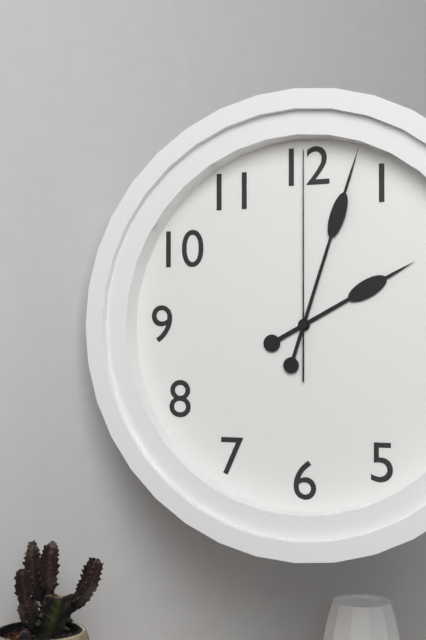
2.03.00
